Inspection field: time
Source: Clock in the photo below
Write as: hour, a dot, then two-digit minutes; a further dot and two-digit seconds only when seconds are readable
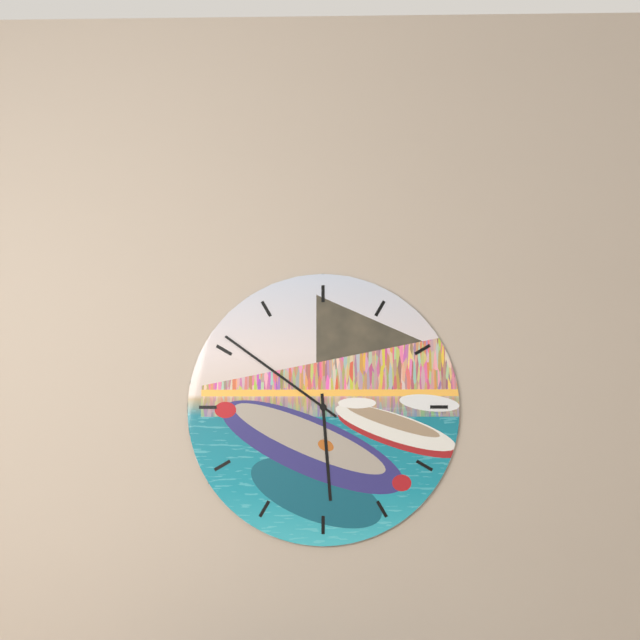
5.51
